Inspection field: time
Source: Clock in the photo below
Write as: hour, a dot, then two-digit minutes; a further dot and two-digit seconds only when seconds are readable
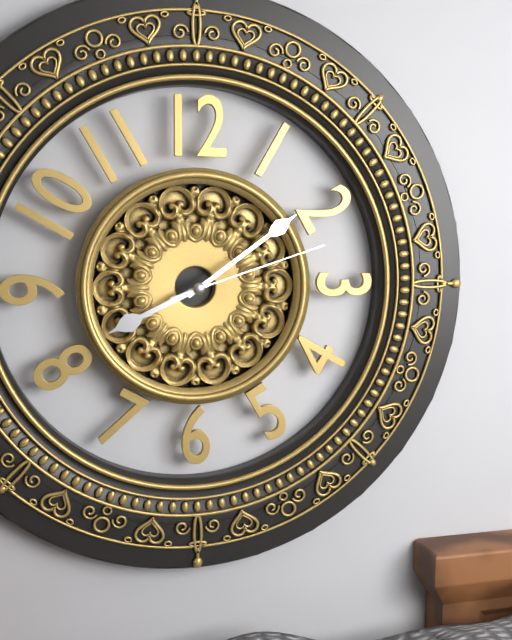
8.09.12
